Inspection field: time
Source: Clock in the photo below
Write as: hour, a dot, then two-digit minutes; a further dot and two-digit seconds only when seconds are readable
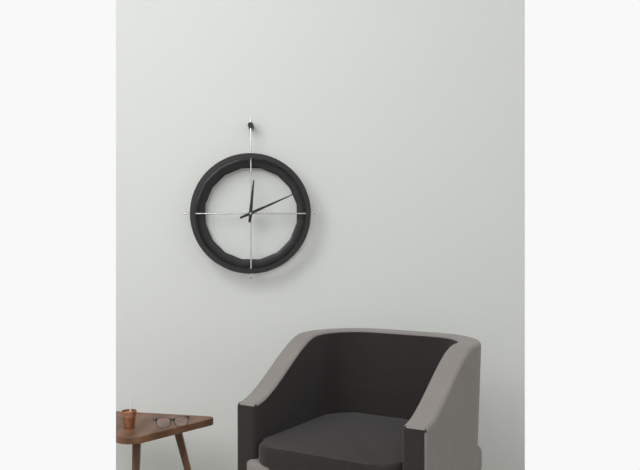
12.11
